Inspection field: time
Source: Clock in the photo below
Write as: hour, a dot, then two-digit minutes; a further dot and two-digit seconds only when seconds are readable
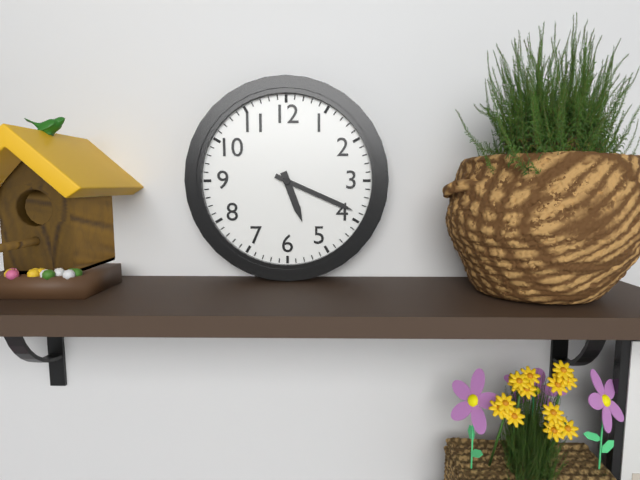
5.19
